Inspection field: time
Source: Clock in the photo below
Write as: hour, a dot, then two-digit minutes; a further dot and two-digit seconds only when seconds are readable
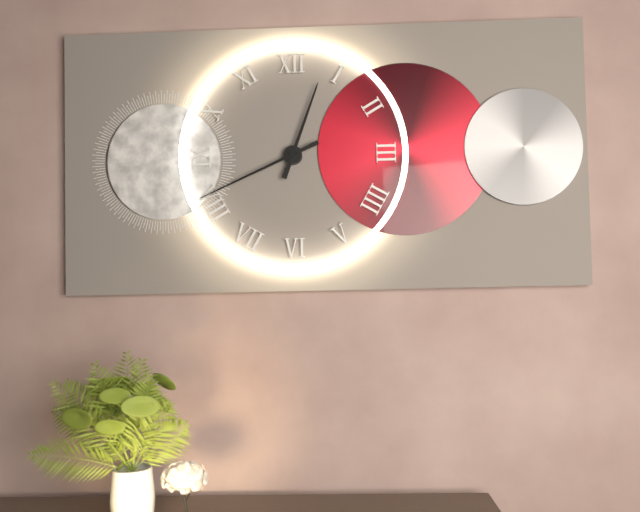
12.41
